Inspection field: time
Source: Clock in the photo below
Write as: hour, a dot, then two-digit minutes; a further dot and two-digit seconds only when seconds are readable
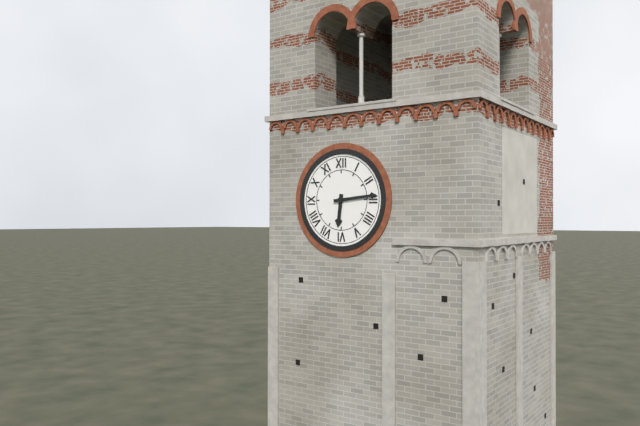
6.14
